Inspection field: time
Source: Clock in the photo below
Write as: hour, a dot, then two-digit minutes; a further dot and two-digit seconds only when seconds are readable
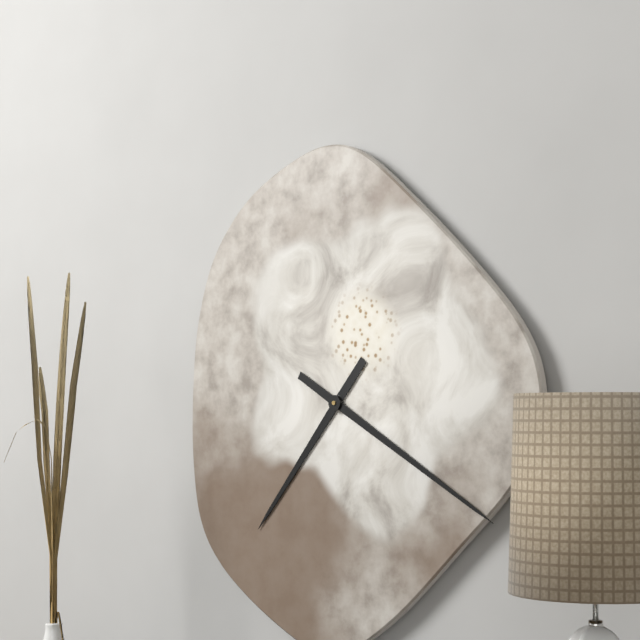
7.20
